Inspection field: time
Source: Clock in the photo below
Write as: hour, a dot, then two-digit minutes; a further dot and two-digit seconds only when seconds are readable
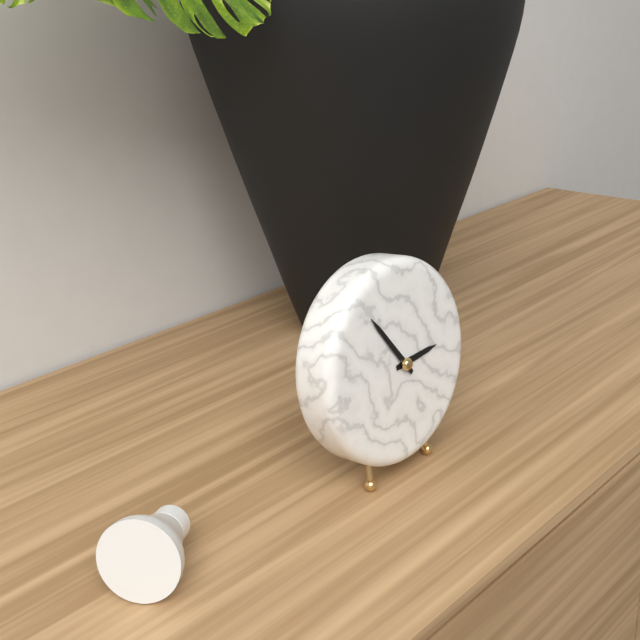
2.54
